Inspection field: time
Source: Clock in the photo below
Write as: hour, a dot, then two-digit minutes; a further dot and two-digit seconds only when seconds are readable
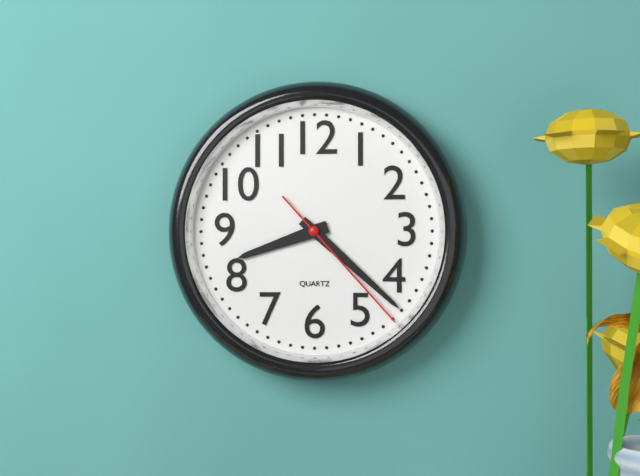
8.22.23
